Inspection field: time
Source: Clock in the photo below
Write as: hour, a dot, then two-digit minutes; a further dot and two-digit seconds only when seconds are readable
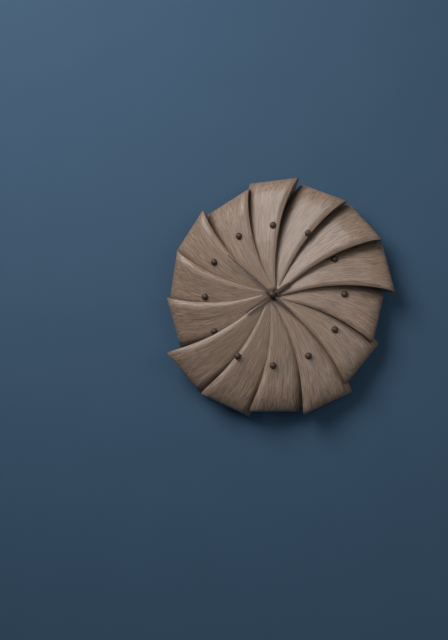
7.52
